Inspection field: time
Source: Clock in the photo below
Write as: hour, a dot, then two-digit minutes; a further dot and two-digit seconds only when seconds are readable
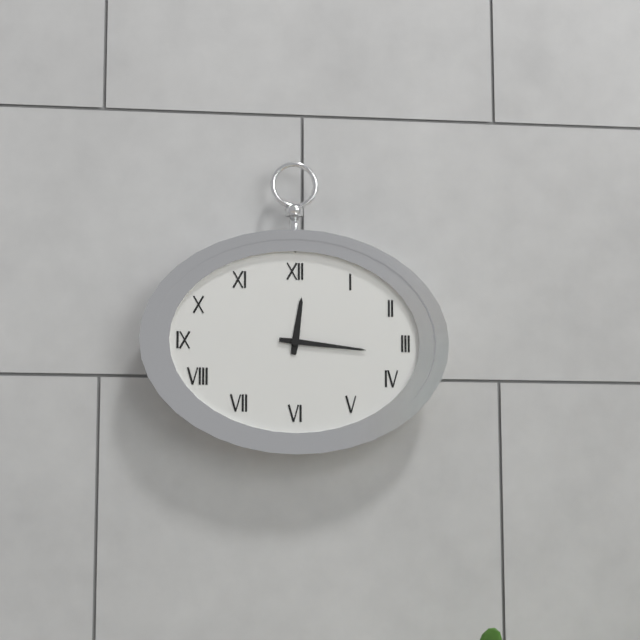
12.16
